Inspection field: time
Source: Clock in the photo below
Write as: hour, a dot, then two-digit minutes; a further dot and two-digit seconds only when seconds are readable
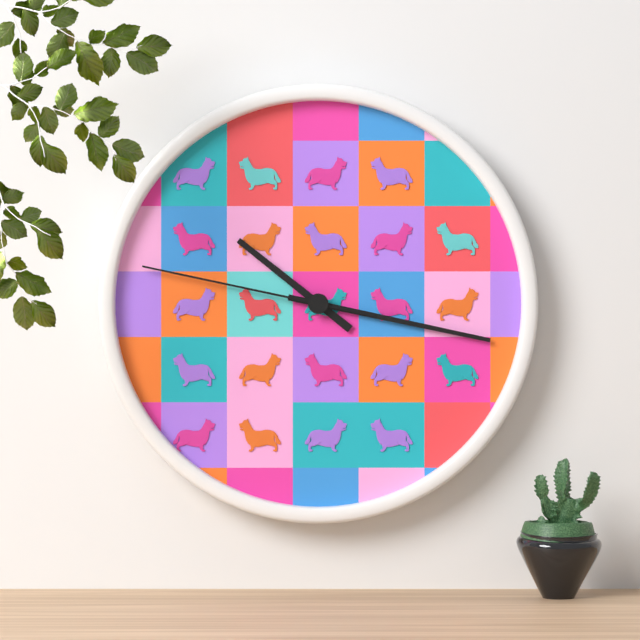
10.17.47
